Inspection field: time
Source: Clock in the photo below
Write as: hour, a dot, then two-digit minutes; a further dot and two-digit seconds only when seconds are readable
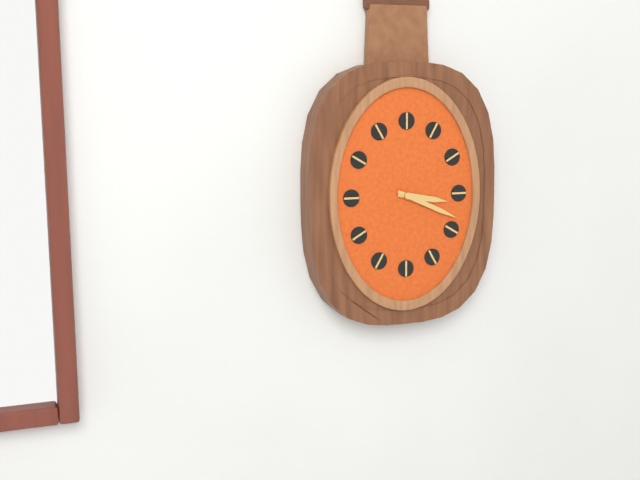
3.19
